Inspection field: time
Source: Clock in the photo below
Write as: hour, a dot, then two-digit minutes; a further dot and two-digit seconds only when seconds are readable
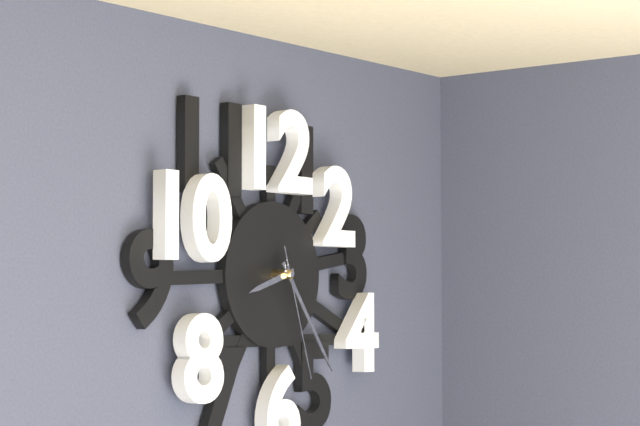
8.24.27
